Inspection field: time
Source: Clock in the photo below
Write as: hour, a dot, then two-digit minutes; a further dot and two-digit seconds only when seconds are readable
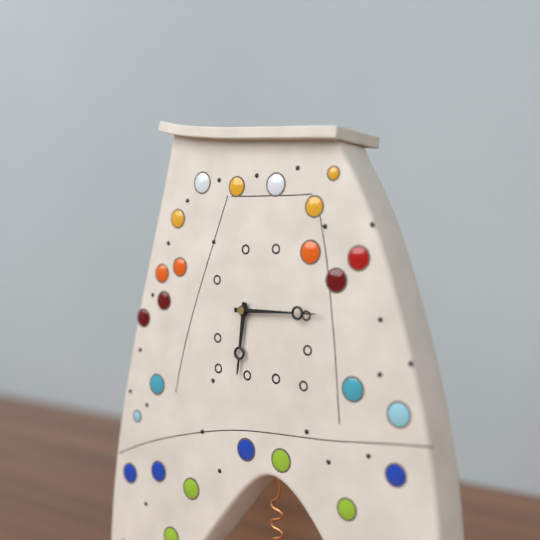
6.15
